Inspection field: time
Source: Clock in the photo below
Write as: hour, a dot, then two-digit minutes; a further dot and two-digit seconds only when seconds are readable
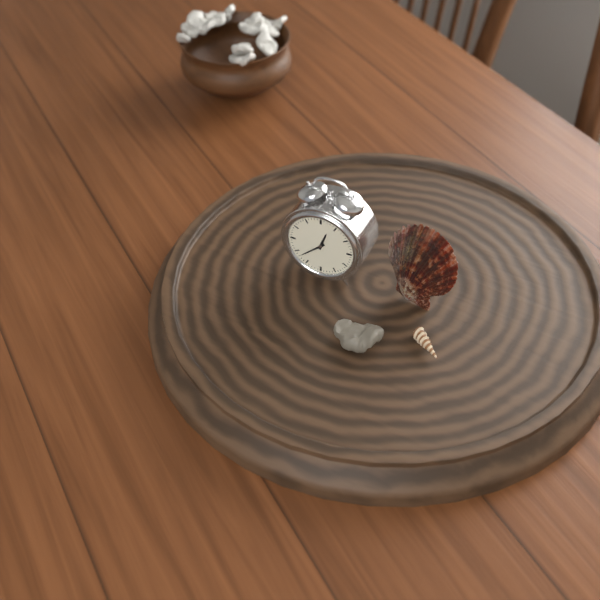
12.38
